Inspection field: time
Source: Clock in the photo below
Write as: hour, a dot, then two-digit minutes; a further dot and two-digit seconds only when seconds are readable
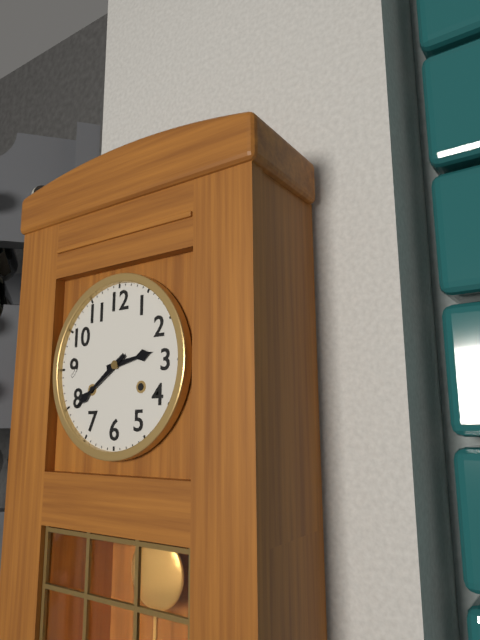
2.39
